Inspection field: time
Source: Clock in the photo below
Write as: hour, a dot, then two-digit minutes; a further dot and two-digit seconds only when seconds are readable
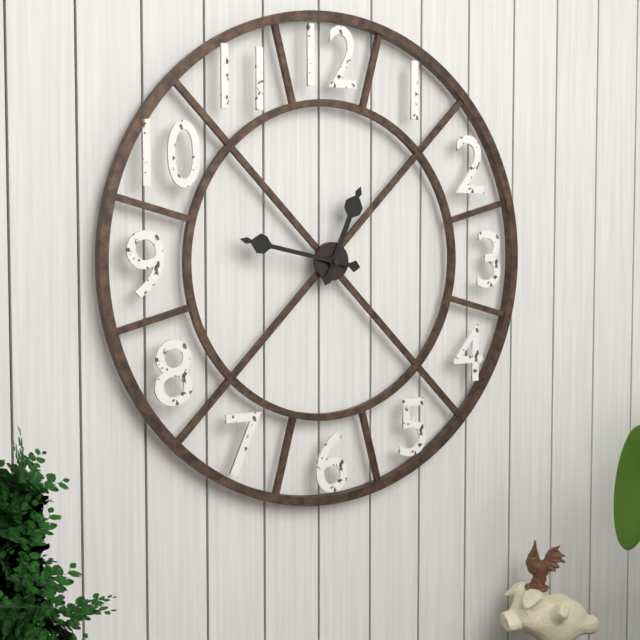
12.47
